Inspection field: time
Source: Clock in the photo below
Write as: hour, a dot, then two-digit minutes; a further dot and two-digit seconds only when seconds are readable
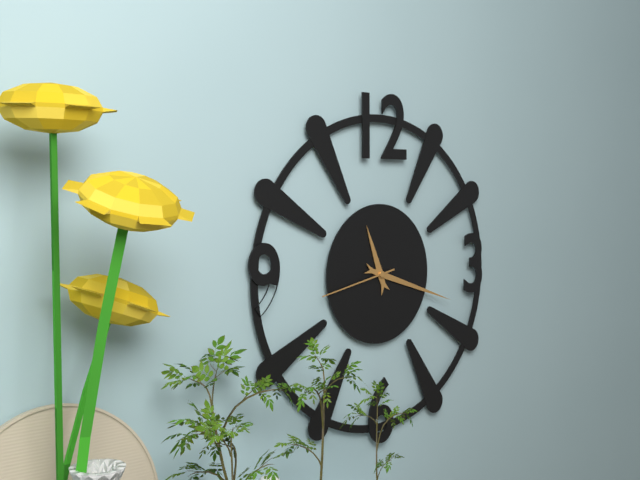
11.18.43
